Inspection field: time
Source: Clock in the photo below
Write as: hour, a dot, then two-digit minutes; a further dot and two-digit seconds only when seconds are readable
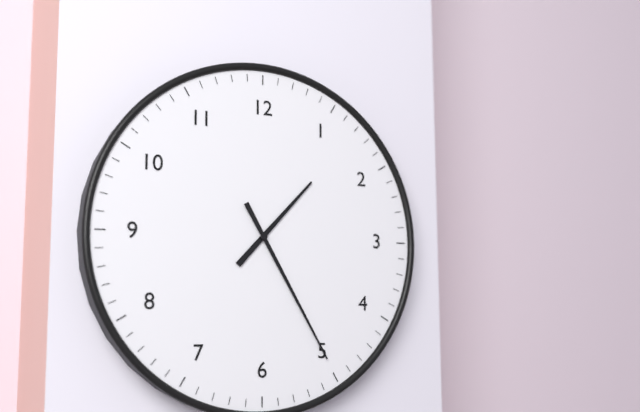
1.25
